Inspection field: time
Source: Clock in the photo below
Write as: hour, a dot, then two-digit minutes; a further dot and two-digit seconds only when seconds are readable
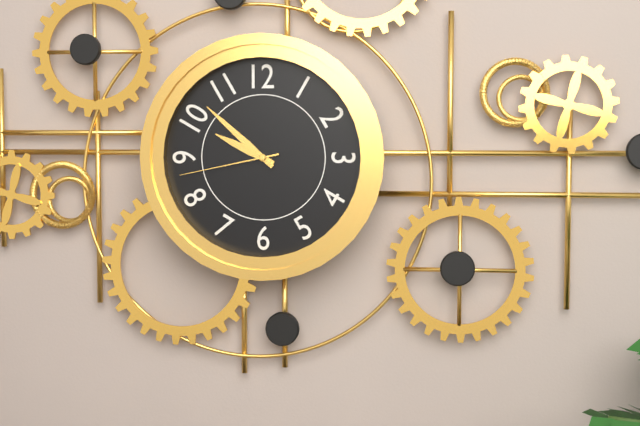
9.52.43
